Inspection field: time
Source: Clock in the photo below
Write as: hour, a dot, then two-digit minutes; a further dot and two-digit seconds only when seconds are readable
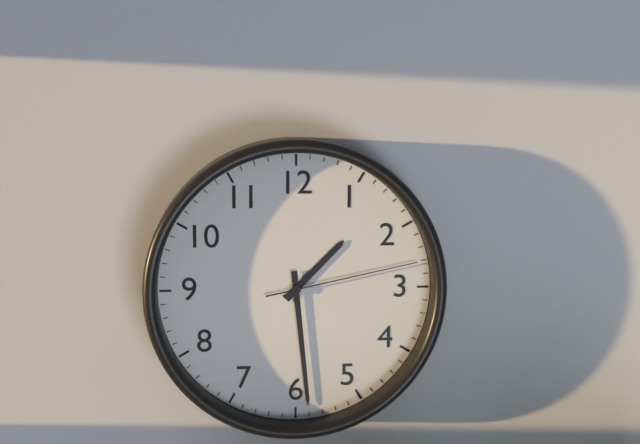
1.29.13
